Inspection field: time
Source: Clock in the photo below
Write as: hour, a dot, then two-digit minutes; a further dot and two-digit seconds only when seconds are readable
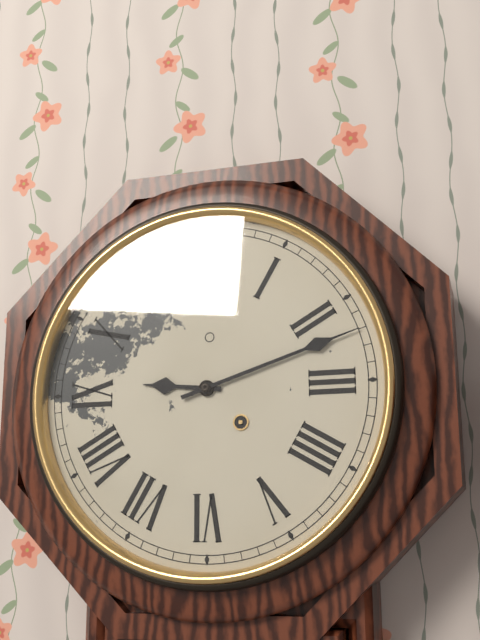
9.12
